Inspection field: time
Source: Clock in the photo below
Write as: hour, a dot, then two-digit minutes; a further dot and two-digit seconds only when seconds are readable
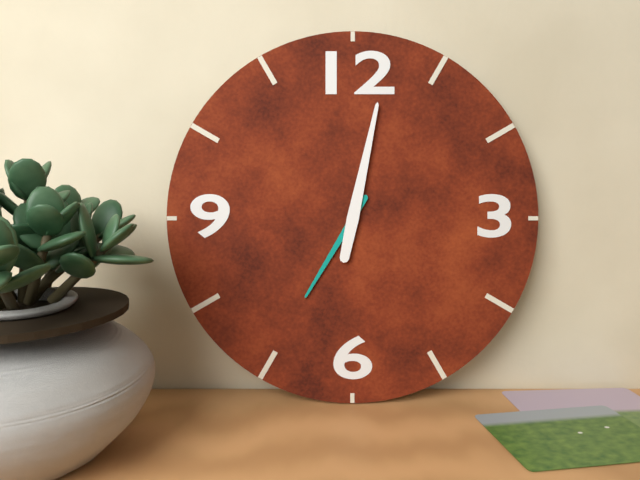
7.02
